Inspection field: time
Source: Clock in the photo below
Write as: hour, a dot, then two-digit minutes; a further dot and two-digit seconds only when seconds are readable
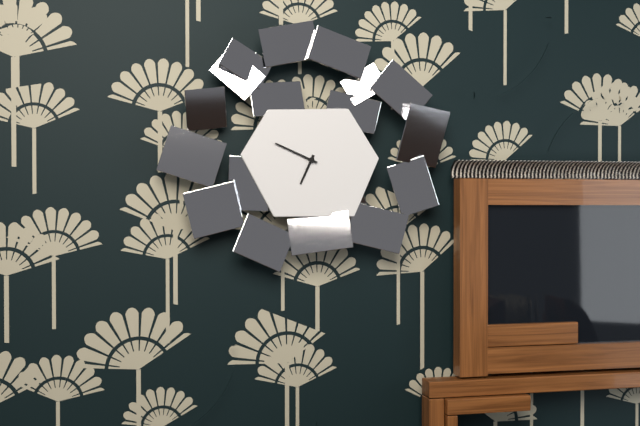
6.49
